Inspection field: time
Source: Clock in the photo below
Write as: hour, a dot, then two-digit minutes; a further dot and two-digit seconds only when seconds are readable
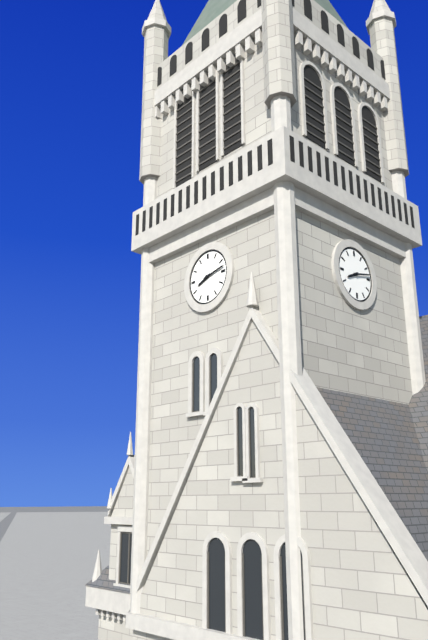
8.13
